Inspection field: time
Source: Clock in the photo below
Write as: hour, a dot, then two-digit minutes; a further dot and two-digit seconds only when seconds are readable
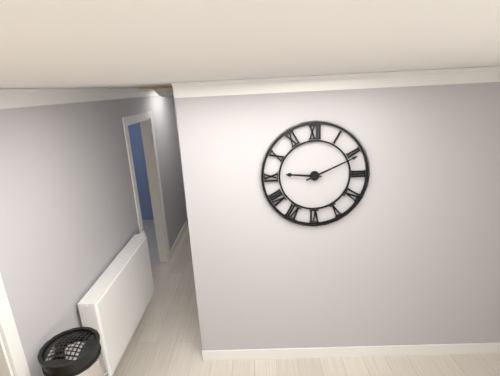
9.11
